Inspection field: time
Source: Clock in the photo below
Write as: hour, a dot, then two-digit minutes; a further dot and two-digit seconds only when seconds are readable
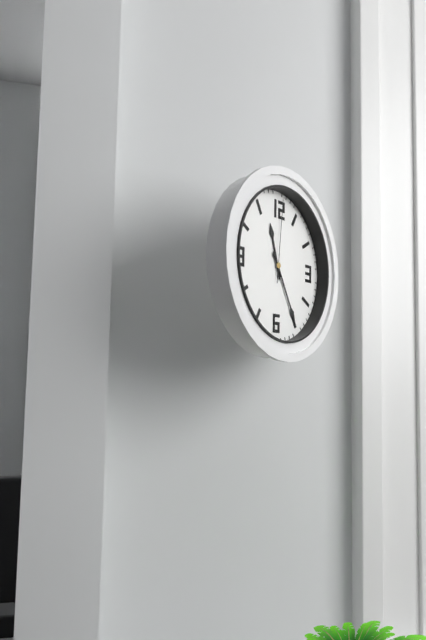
11.25.01
